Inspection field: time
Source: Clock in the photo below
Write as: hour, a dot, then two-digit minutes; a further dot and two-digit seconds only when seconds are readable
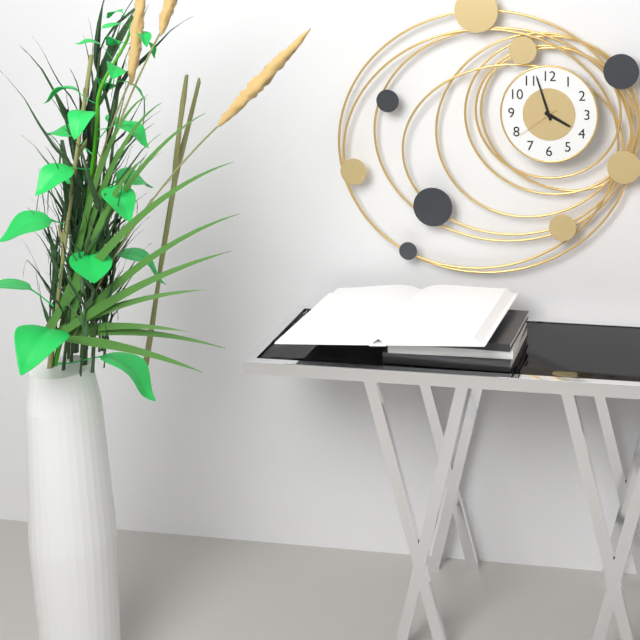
3.57
